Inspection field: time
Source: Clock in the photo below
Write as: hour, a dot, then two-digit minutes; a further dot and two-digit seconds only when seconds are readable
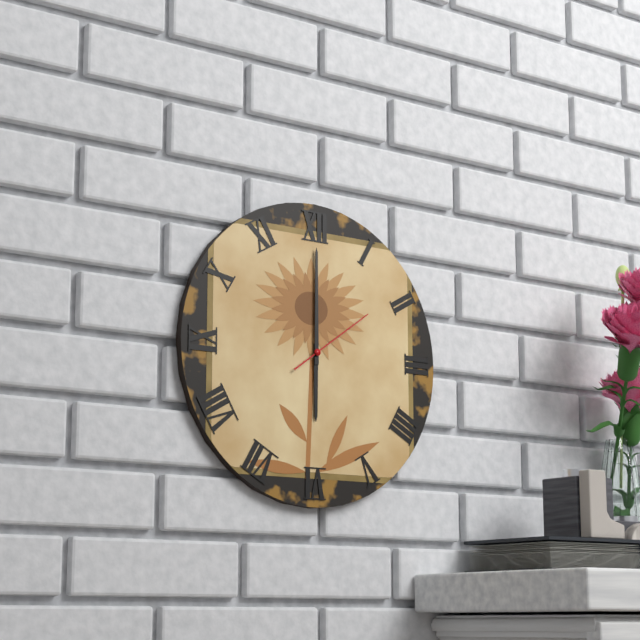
6.00.09
